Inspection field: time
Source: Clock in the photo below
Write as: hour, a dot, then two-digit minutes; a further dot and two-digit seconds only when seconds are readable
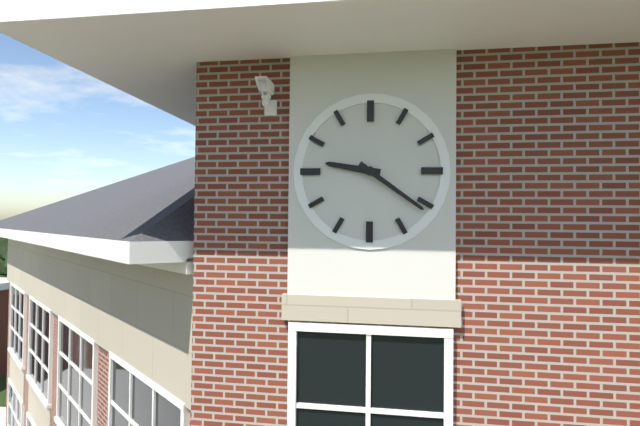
9.21
